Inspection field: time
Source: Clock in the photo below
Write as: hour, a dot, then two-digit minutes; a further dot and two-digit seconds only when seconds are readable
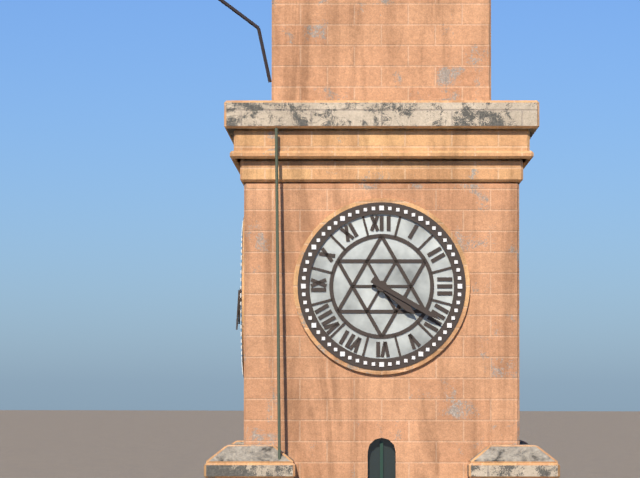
4.20
